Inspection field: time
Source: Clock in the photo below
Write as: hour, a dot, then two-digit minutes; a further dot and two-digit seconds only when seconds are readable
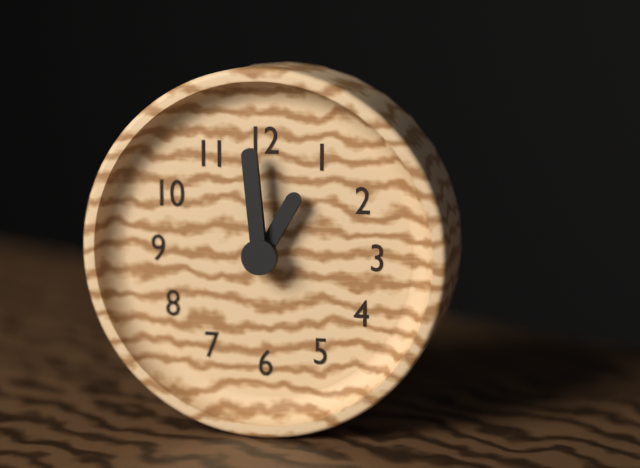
12.59
